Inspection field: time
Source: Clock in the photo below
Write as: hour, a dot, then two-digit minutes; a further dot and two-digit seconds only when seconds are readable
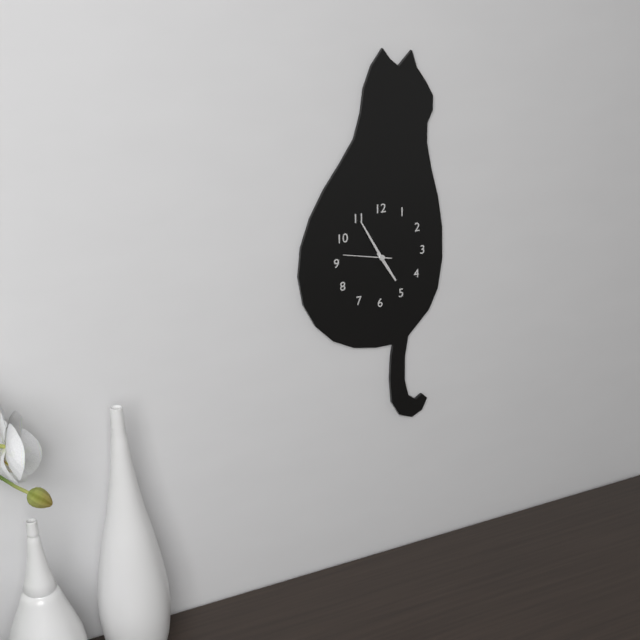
4.55
